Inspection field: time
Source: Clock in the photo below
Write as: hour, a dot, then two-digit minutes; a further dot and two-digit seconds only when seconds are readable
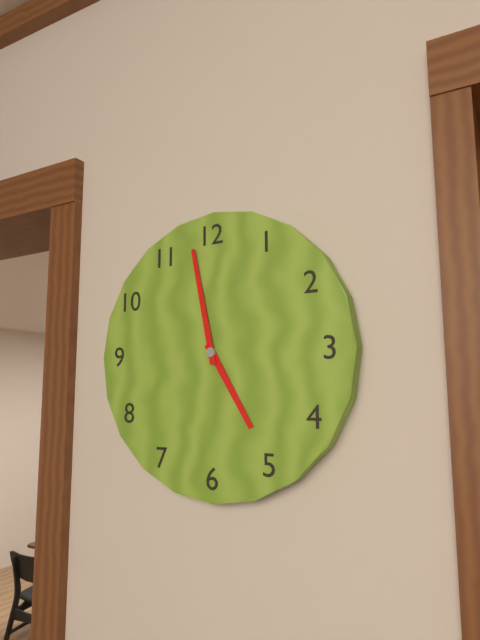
4.58
